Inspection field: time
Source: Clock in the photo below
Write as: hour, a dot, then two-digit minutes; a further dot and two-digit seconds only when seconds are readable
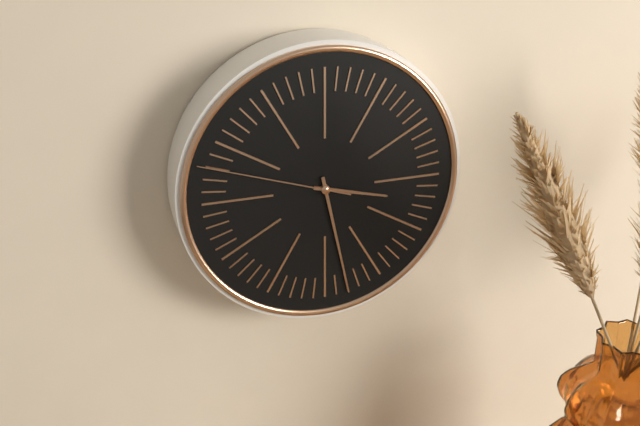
3.28.48
